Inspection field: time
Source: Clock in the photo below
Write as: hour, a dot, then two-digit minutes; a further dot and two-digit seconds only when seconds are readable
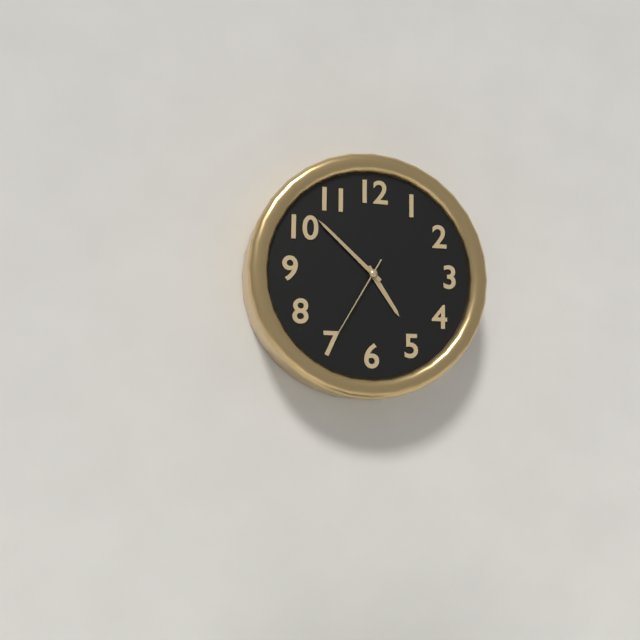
4.52.35
